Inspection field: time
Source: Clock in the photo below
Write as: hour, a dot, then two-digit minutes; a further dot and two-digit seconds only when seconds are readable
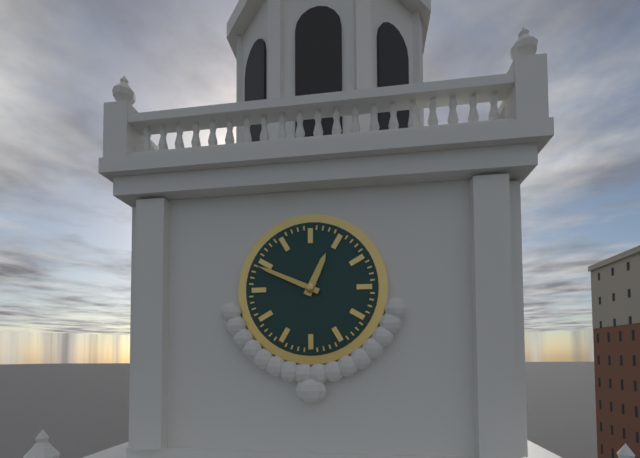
12.49
